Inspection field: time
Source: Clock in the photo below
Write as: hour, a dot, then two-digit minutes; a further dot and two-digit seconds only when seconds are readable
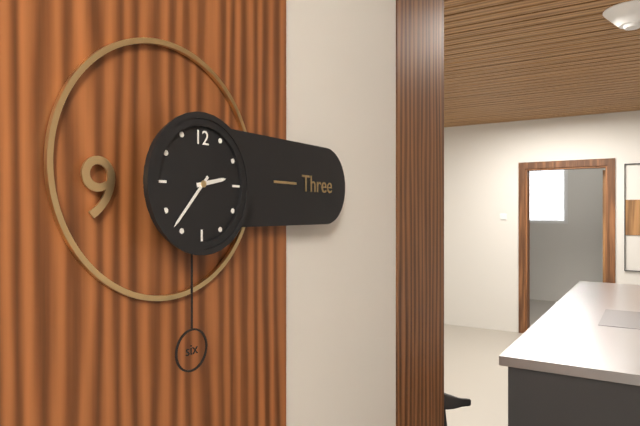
2.37
